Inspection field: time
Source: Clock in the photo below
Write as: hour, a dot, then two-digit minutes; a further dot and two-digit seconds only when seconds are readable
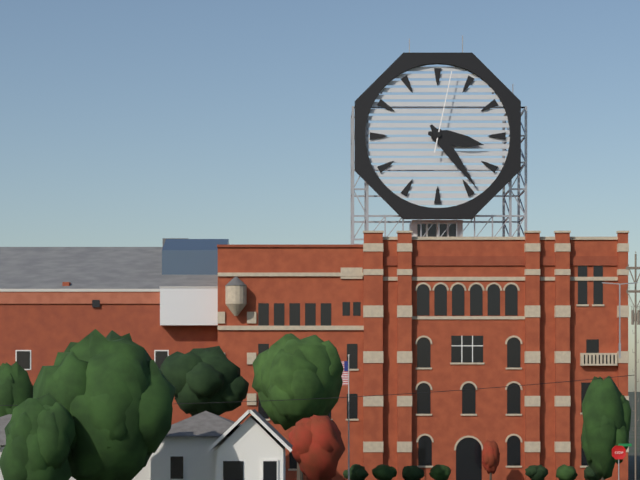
3.24.02
